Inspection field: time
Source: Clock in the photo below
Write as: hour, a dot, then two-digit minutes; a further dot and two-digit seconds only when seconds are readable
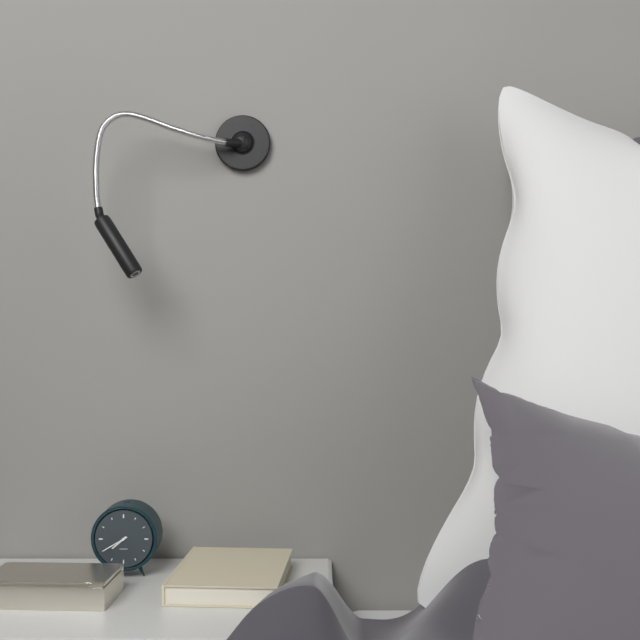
7.40
